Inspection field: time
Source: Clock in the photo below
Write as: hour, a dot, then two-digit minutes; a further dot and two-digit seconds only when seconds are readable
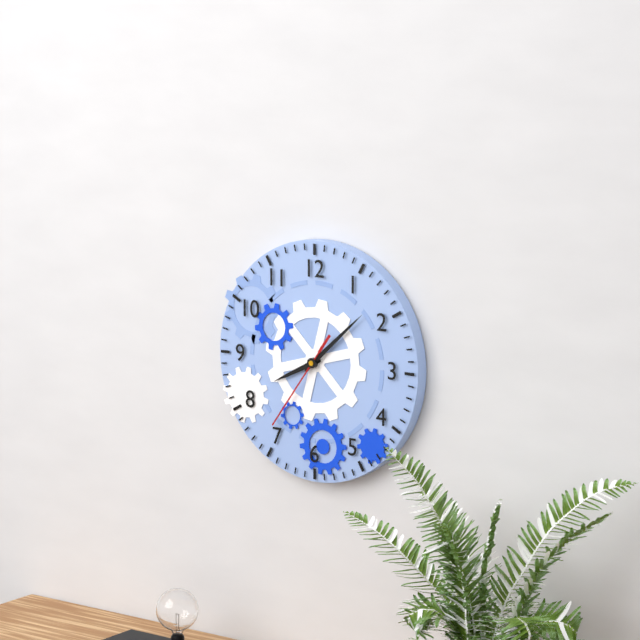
8.08.36
